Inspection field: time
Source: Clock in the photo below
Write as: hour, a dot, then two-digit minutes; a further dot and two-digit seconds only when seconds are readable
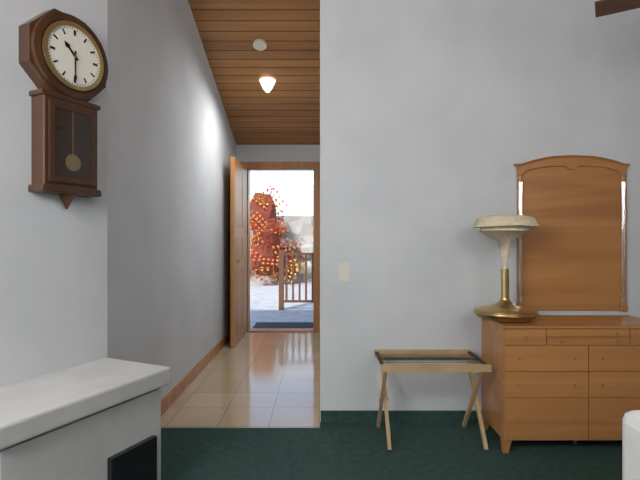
10.30
